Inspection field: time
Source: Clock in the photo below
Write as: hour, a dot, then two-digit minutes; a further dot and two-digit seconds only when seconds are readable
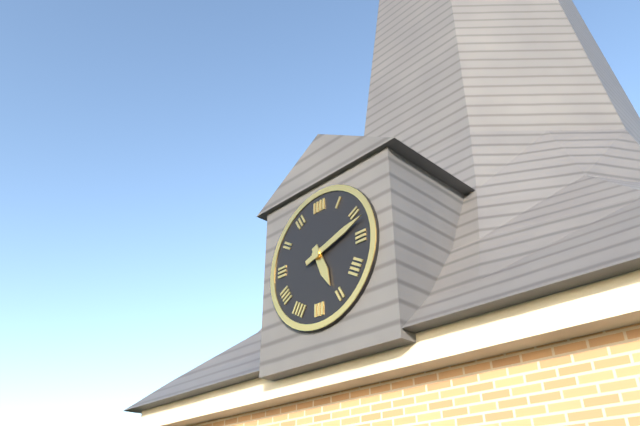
5.12
